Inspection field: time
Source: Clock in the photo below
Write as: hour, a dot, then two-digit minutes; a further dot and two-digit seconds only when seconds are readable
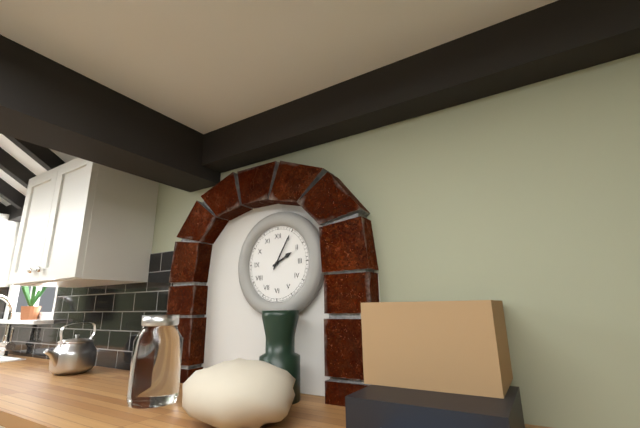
2.05
